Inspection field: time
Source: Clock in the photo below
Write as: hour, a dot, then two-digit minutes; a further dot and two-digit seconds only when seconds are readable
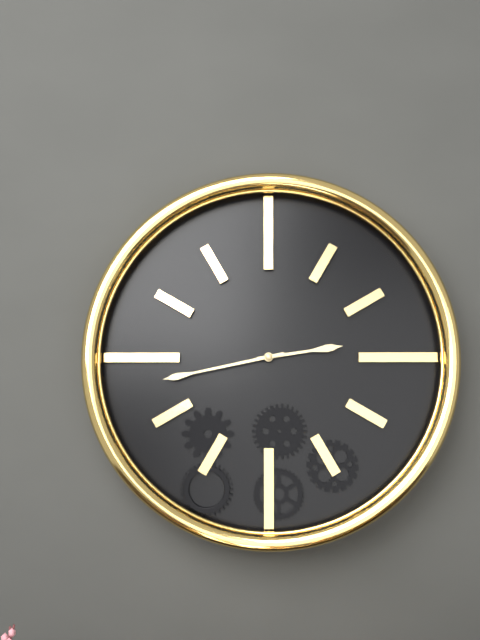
2.43
